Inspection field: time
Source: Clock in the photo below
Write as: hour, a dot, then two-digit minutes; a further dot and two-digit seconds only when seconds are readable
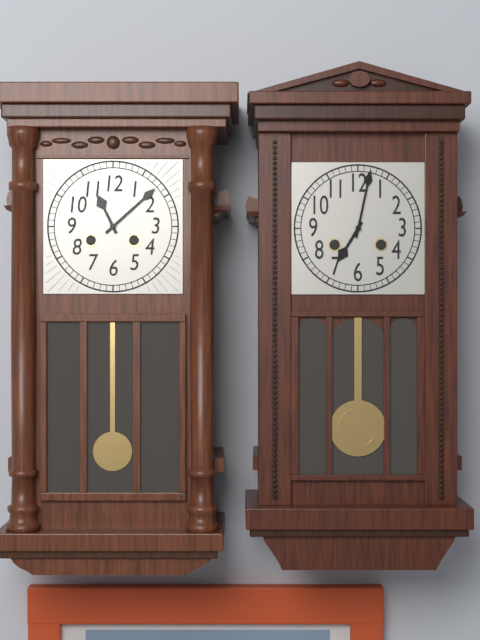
11.08
